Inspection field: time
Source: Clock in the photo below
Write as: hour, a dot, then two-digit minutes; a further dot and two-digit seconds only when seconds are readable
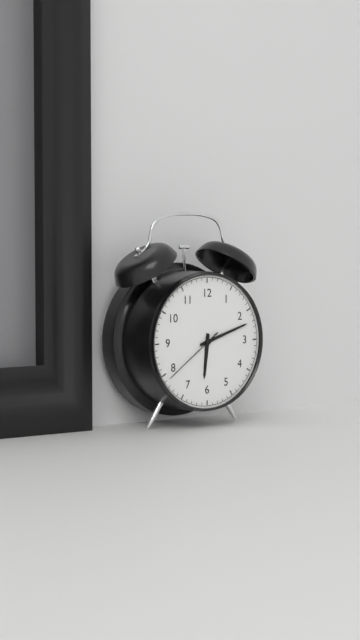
6.12.39
